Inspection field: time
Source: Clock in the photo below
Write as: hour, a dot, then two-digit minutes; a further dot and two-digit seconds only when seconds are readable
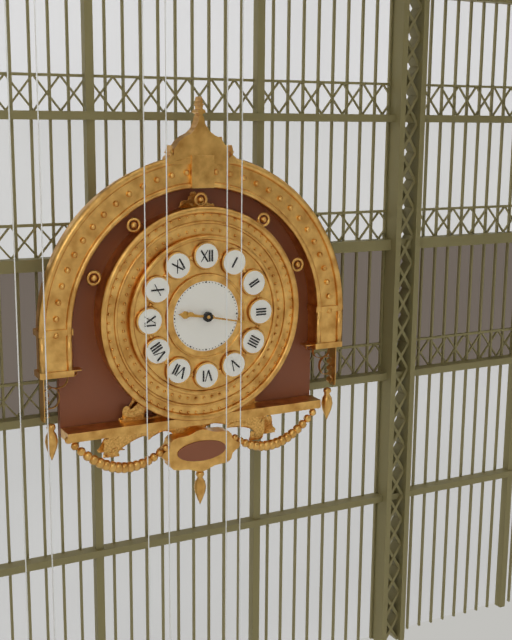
9.17
